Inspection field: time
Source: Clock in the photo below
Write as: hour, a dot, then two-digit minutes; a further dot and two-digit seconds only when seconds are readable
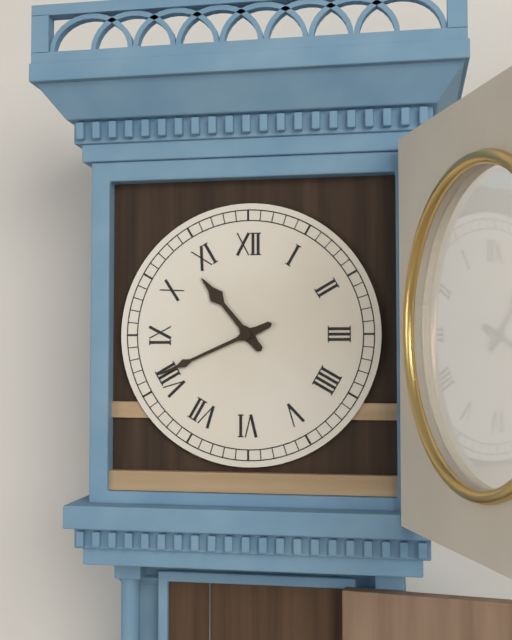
10.41
